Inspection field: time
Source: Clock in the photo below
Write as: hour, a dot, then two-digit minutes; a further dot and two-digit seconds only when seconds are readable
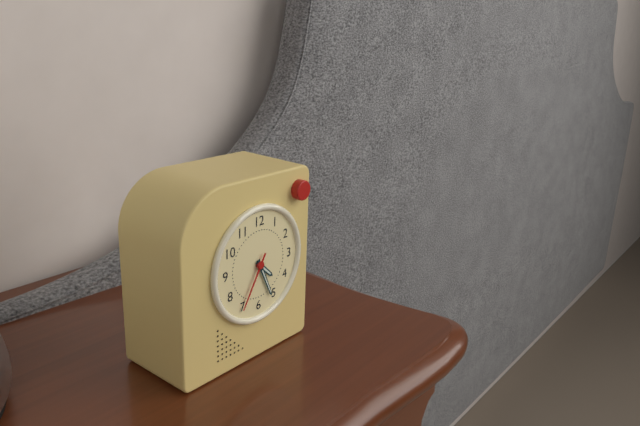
4.26.35
